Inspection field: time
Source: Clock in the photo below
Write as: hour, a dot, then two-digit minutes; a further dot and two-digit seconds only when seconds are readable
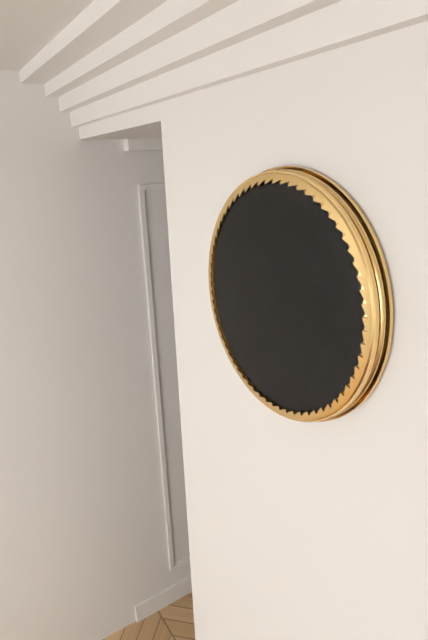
9.25
